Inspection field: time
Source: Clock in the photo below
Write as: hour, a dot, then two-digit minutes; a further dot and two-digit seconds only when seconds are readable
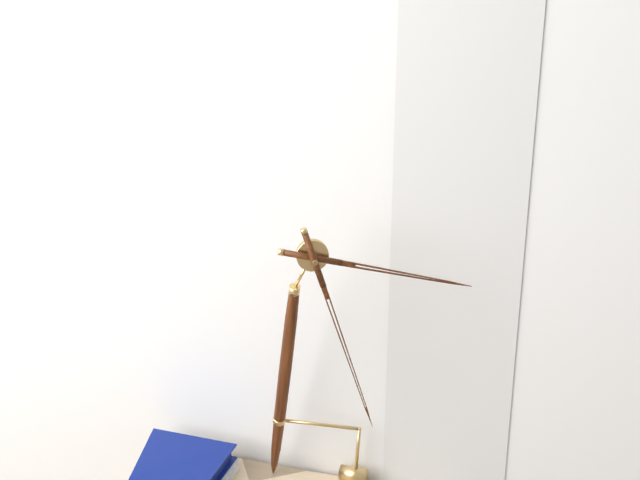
3.27
